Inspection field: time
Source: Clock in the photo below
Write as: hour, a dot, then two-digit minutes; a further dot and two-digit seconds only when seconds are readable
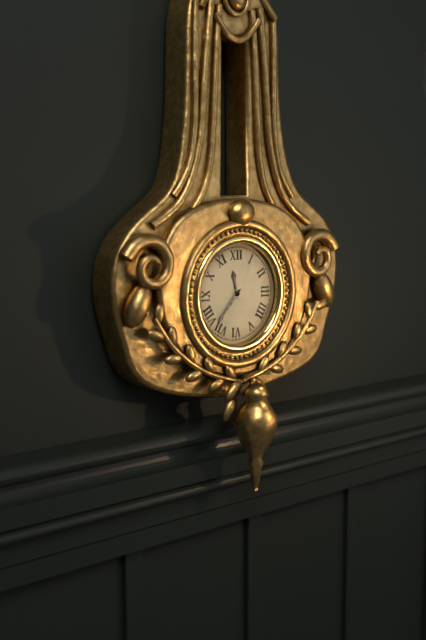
11.37
